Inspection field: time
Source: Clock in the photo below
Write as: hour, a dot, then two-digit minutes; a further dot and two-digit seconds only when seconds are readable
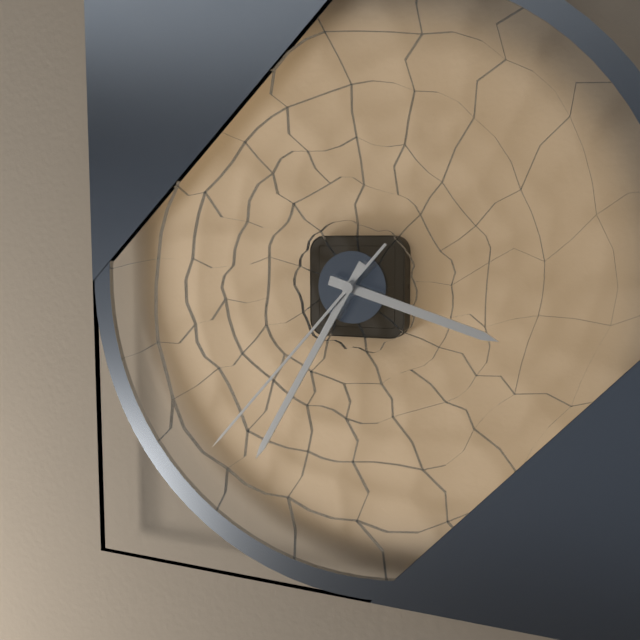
3.35.37
